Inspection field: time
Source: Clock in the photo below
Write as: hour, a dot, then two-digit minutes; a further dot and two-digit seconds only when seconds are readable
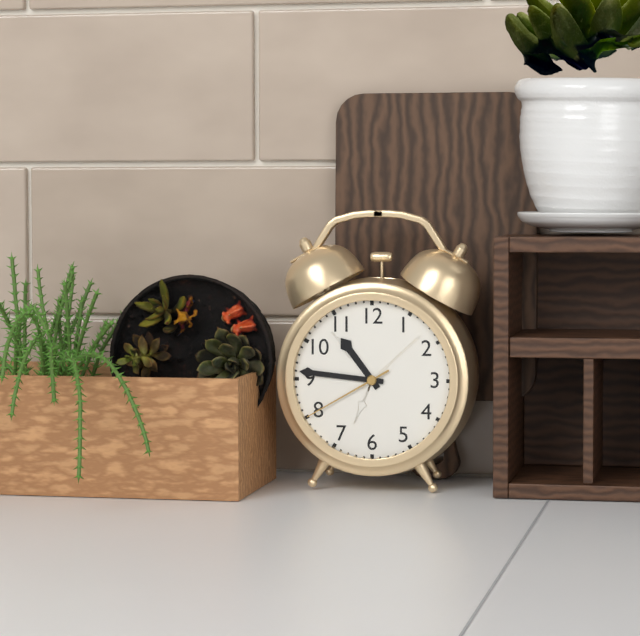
10.46.40
